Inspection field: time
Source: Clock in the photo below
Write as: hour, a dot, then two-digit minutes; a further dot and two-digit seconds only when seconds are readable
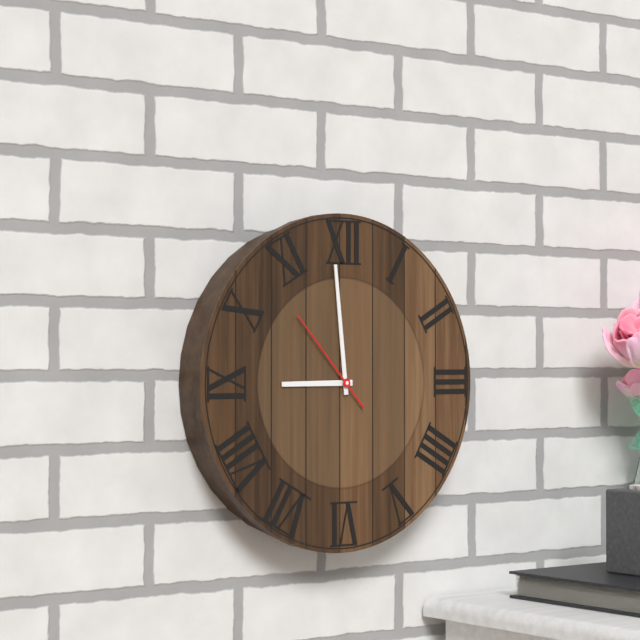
8.59.53
